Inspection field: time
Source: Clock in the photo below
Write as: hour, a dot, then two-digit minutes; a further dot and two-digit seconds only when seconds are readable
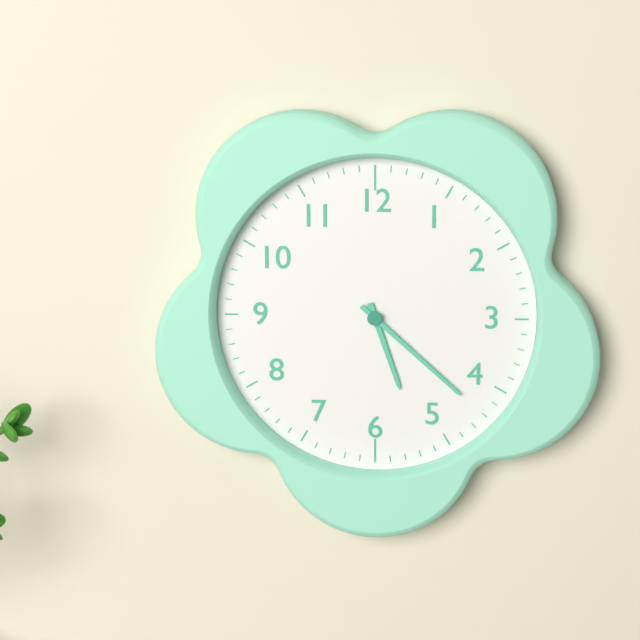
5.22
